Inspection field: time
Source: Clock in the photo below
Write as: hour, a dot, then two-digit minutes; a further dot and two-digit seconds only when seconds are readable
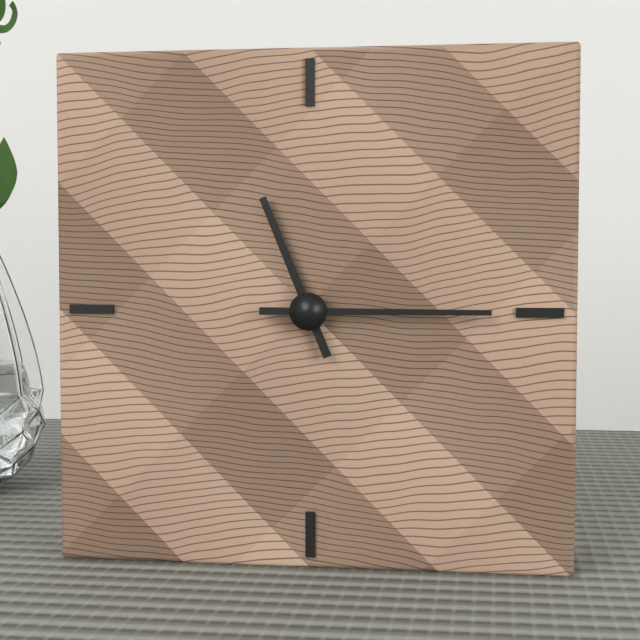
11.15
